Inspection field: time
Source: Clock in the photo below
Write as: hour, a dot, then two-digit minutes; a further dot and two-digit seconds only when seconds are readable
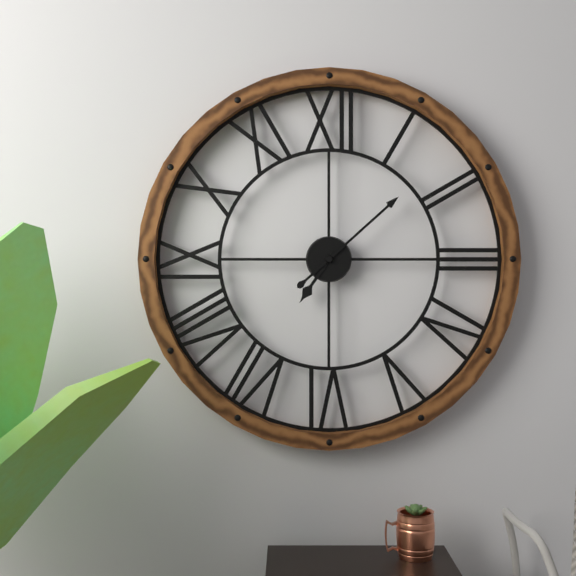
7.08
